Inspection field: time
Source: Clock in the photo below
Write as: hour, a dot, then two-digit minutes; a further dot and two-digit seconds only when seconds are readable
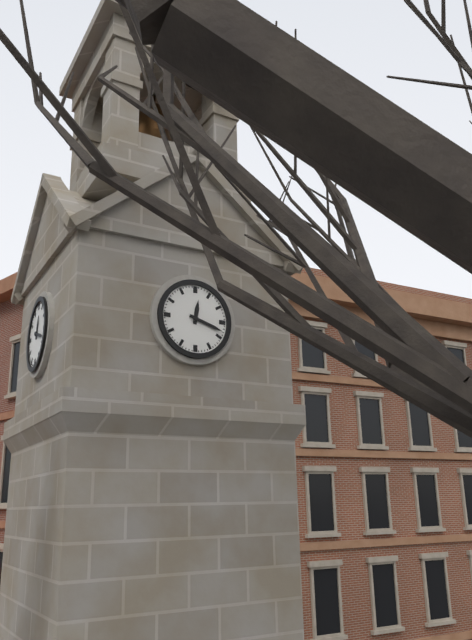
12.18
